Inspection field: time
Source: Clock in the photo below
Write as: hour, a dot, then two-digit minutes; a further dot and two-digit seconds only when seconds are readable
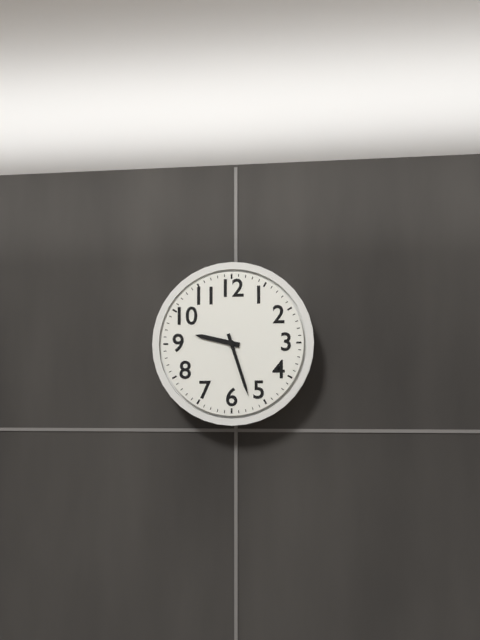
9.27
